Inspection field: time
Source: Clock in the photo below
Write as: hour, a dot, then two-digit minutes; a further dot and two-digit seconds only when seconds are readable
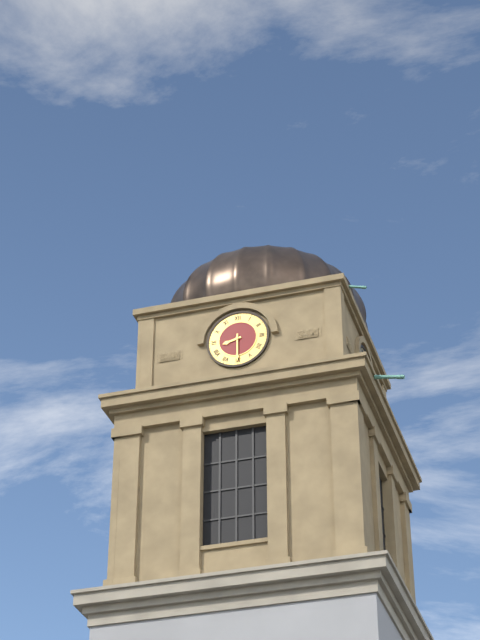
8.30
